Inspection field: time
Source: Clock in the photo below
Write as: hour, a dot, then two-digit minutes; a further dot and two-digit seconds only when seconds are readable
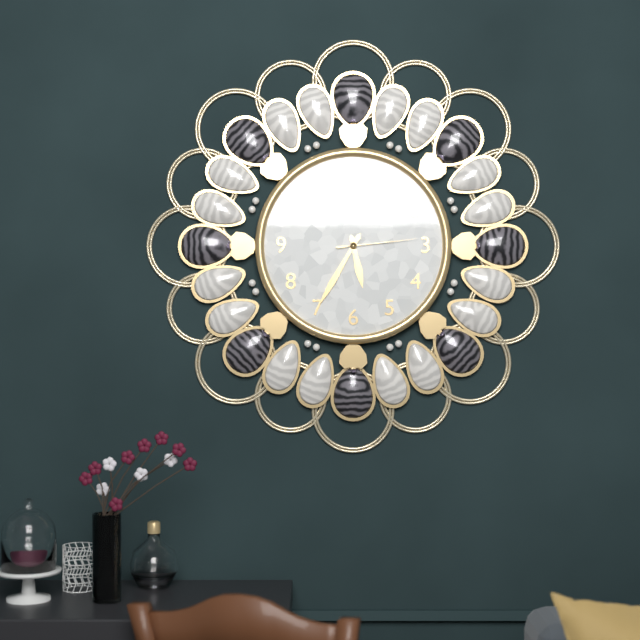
5.35.14
